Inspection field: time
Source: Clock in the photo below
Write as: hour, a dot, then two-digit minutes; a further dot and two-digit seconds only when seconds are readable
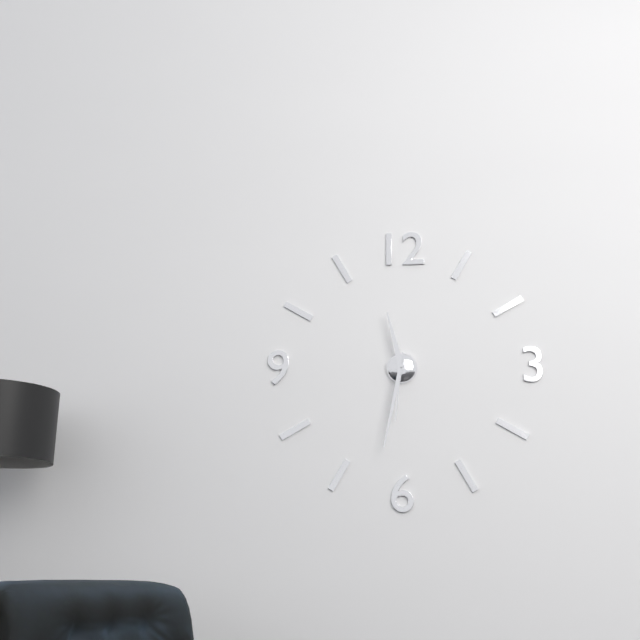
11.32.31
